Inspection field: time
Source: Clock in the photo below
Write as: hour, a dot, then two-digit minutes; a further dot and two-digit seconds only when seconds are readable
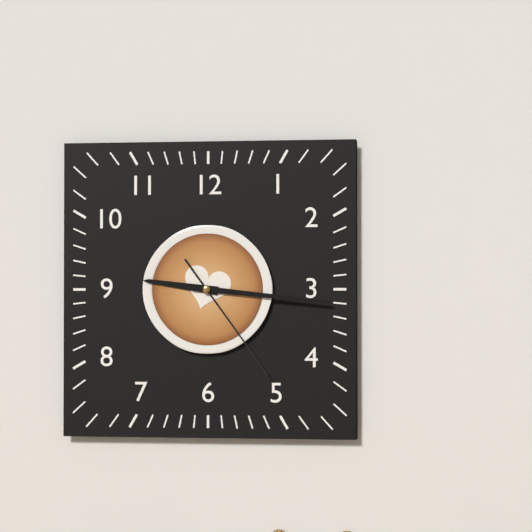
9.16.24
